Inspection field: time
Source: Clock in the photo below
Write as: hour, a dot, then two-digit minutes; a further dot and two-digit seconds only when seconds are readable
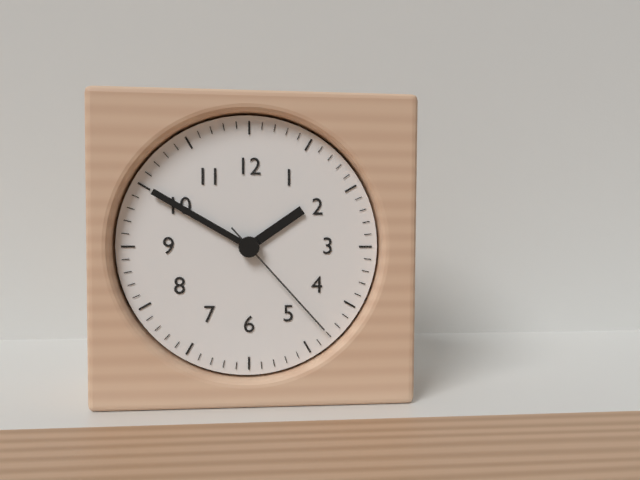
1.50.23
